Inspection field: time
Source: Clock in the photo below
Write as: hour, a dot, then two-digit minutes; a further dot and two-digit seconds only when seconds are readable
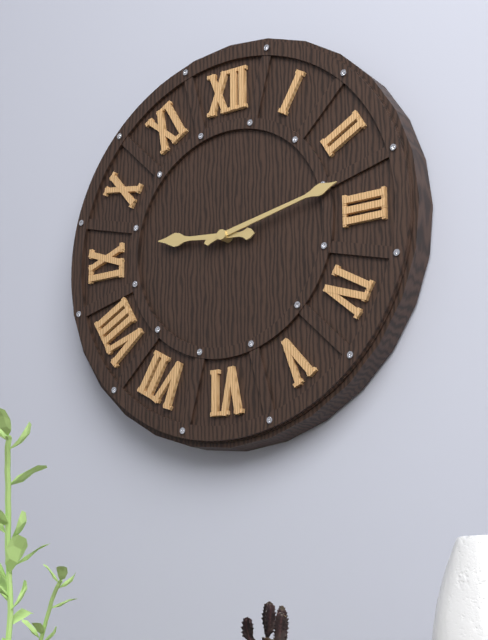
9.13
